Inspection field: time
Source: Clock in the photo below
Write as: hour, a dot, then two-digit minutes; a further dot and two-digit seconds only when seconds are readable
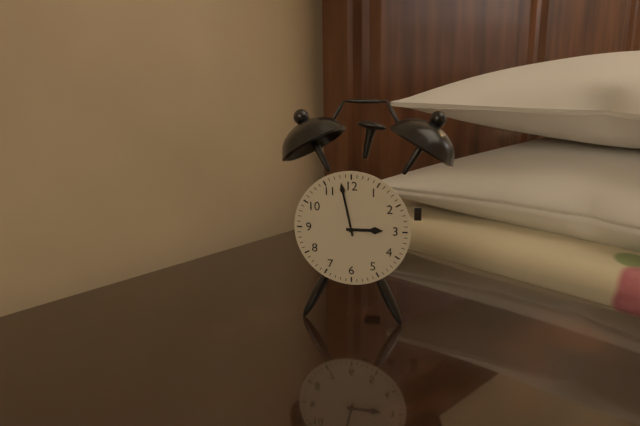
2.58
